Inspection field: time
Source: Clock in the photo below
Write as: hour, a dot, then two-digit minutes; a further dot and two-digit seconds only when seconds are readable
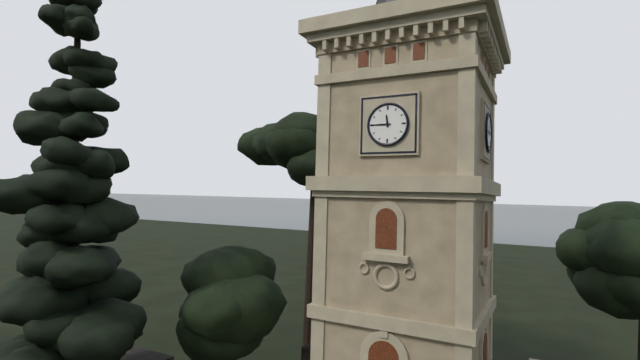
11.45
